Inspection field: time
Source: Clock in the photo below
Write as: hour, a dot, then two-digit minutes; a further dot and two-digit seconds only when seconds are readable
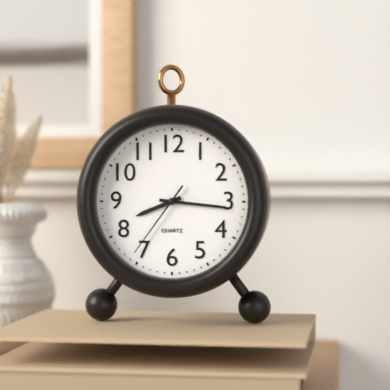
8.16.36
